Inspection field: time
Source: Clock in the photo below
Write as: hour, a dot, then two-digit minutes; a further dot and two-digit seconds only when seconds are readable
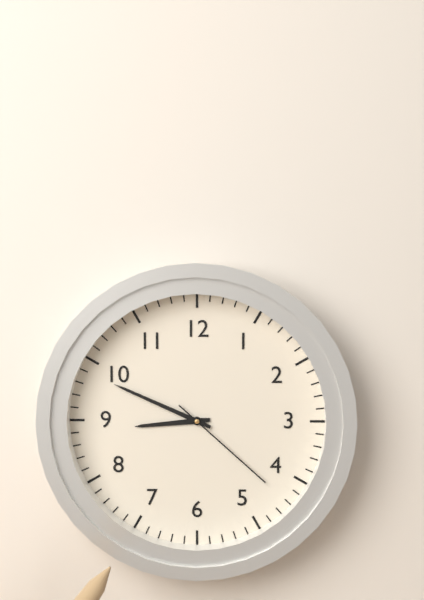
8.49.22
